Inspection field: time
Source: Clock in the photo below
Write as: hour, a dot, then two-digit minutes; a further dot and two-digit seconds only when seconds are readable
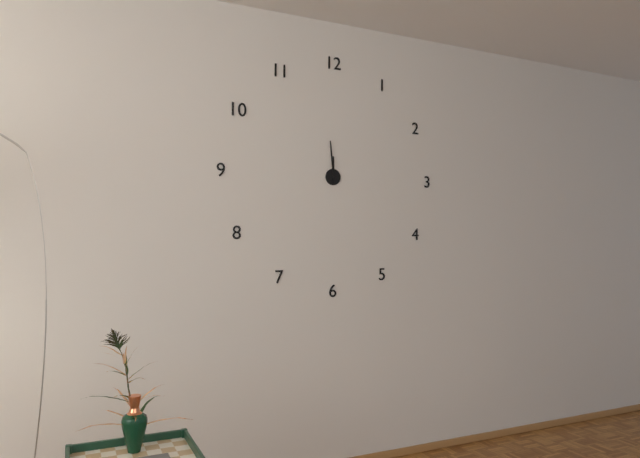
11.59
